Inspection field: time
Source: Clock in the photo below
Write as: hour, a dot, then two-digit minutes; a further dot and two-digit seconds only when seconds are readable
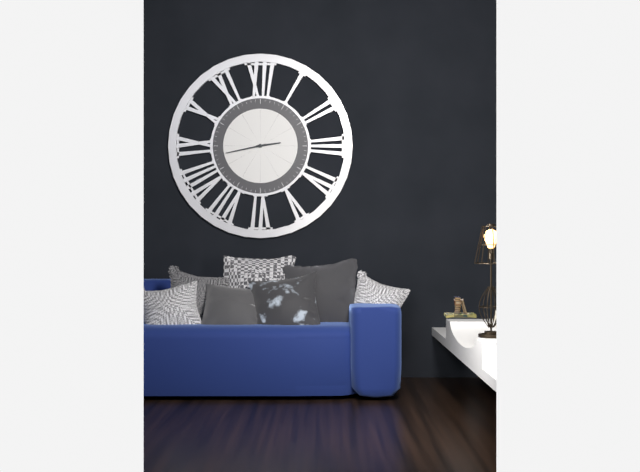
2.43
